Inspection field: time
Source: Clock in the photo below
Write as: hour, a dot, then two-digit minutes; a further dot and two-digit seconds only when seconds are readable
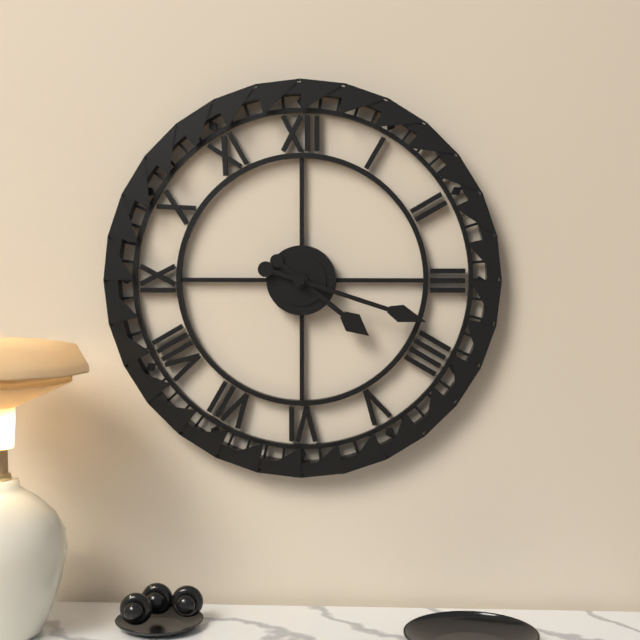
4.18
